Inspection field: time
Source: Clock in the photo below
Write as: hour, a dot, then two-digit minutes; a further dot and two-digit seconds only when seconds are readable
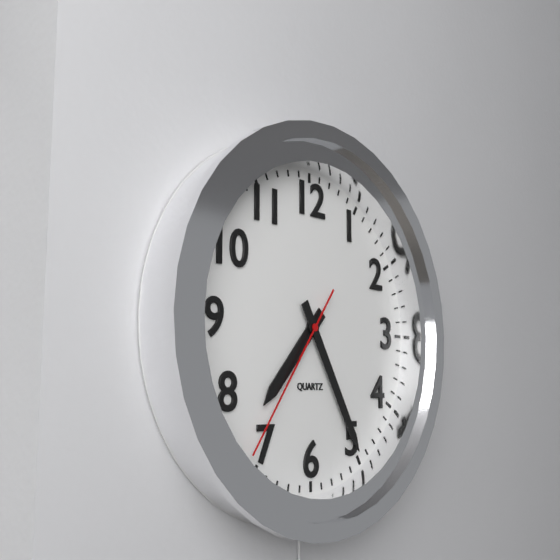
7.25.36
